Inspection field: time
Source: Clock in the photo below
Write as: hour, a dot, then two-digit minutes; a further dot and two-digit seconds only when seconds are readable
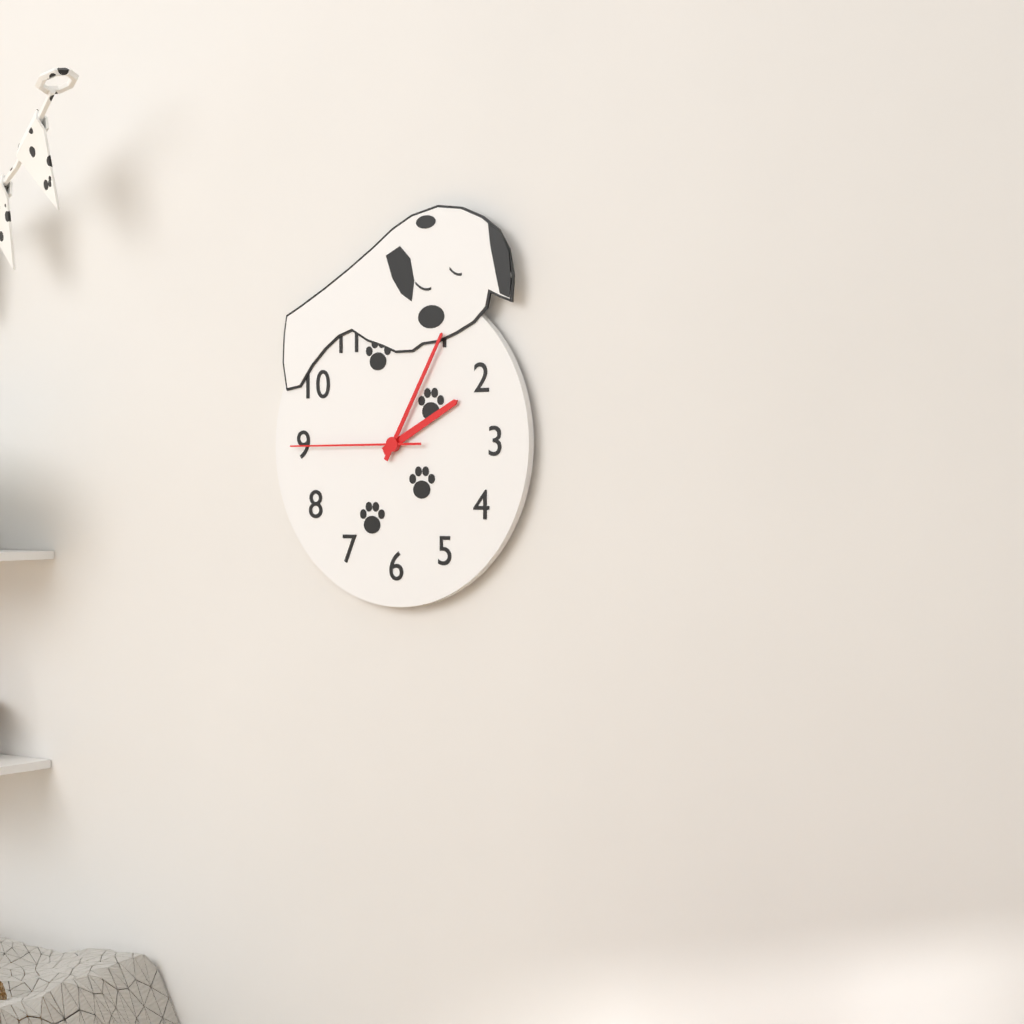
2.05.45
